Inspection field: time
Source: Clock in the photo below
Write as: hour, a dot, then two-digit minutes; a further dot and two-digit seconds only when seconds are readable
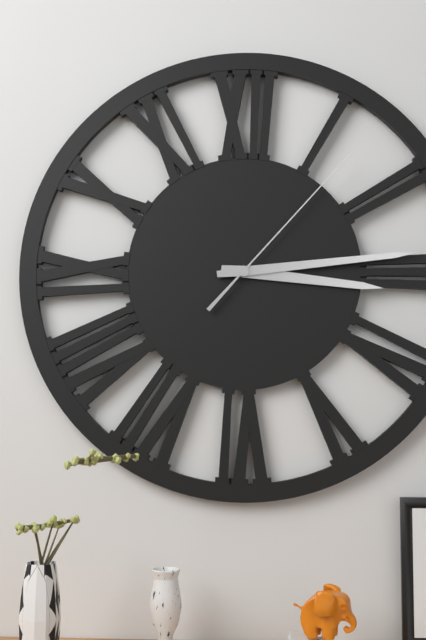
3.14.07
